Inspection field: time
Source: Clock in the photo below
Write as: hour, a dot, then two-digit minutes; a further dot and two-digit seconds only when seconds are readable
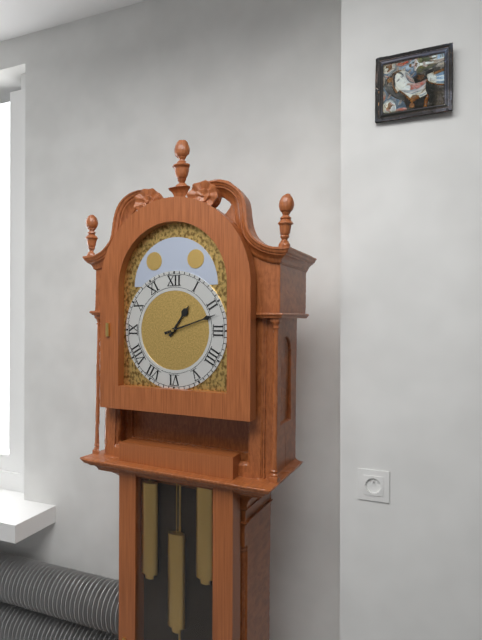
1.12
